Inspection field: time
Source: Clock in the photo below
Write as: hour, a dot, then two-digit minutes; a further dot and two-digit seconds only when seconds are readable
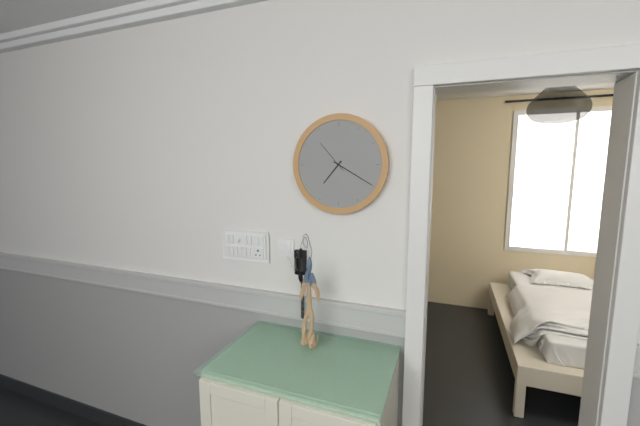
7.20
